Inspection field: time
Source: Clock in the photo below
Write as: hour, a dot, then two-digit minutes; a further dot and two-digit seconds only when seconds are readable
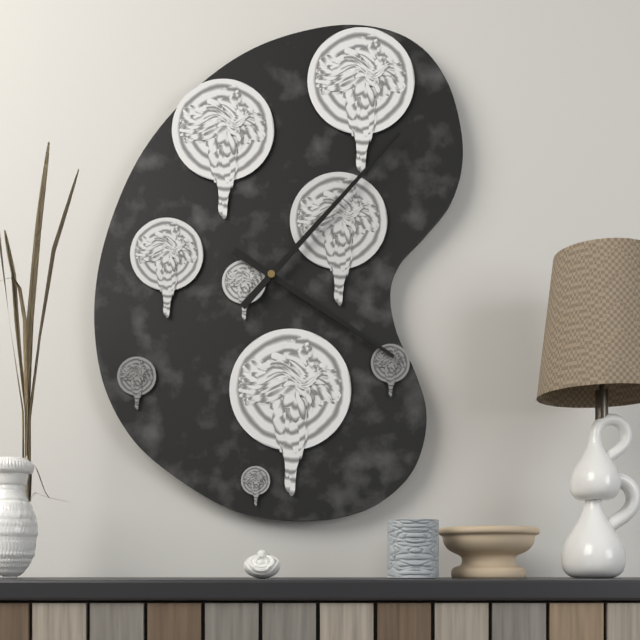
4.07
